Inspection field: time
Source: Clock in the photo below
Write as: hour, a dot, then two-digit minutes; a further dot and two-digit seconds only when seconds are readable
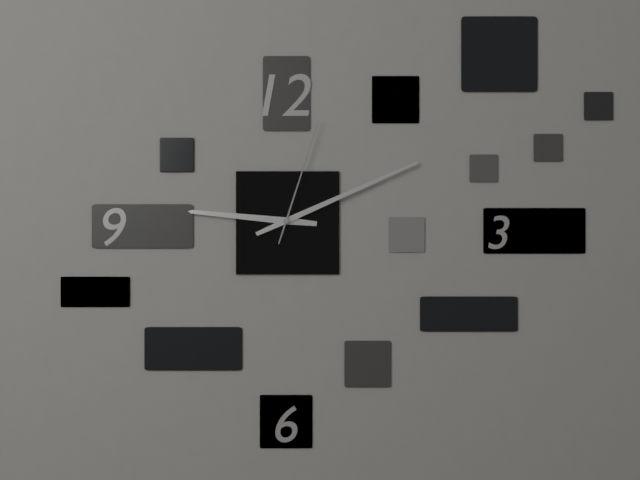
9.11.03
